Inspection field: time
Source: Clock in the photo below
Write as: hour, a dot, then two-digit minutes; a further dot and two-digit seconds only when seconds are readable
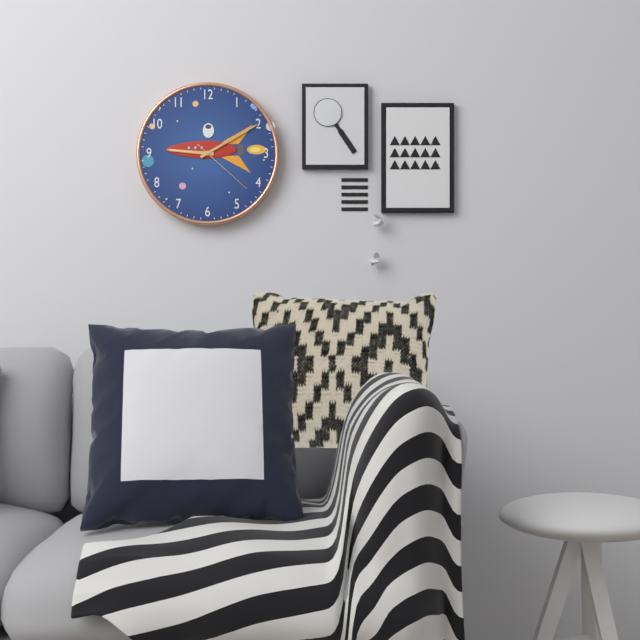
9.10.22
